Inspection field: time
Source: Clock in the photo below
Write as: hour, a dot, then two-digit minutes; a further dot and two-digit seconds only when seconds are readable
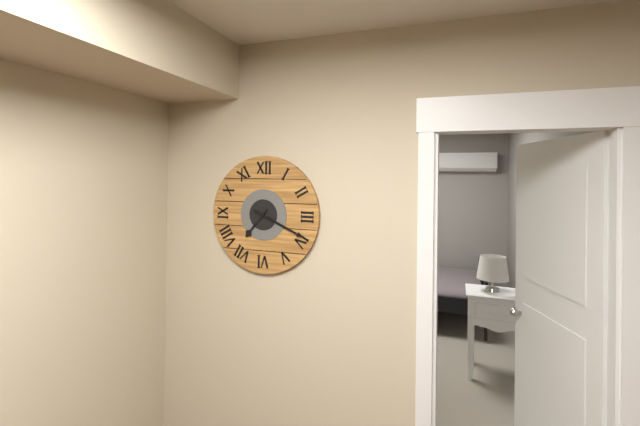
7.19
